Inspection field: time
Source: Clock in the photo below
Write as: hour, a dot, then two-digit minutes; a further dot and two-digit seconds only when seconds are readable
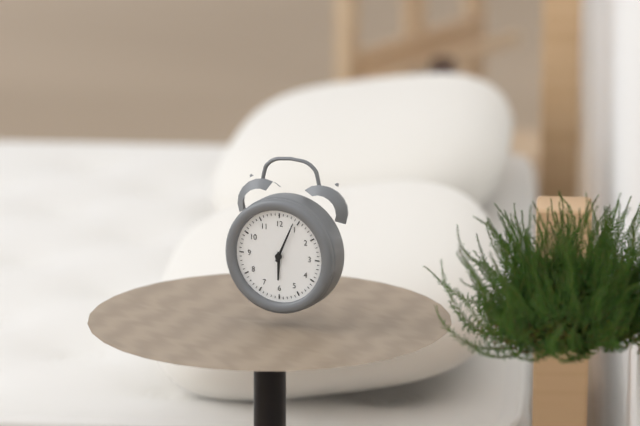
6.04
